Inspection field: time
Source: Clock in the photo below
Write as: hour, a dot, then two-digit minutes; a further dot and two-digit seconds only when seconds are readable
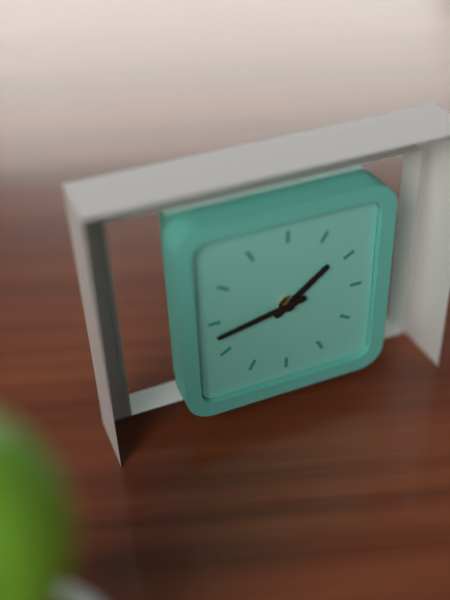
1.43
